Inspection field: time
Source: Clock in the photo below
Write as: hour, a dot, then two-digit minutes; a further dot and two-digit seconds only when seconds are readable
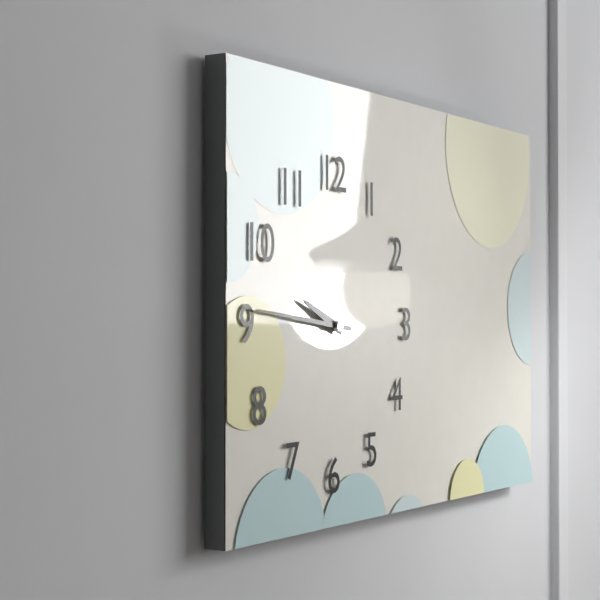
9.46
